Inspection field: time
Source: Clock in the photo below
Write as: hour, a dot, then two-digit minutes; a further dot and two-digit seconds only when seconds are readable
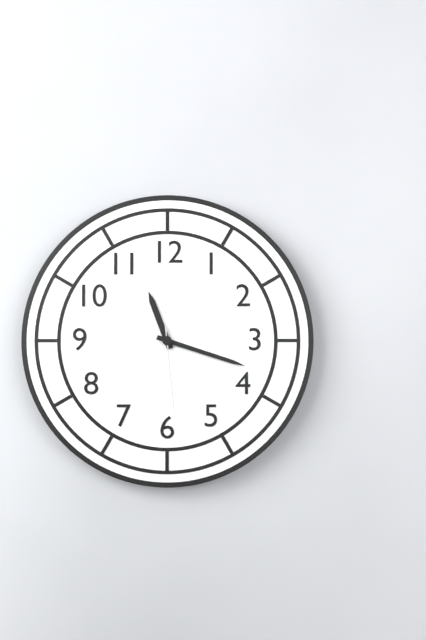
11.18.29
